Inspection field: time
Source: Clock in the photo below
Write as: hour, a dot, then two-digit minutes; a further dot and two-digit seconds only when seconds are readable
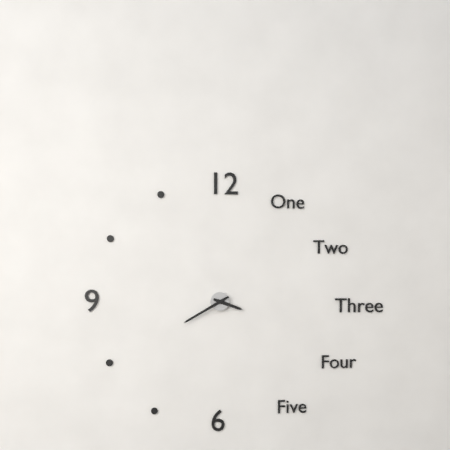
3.40
